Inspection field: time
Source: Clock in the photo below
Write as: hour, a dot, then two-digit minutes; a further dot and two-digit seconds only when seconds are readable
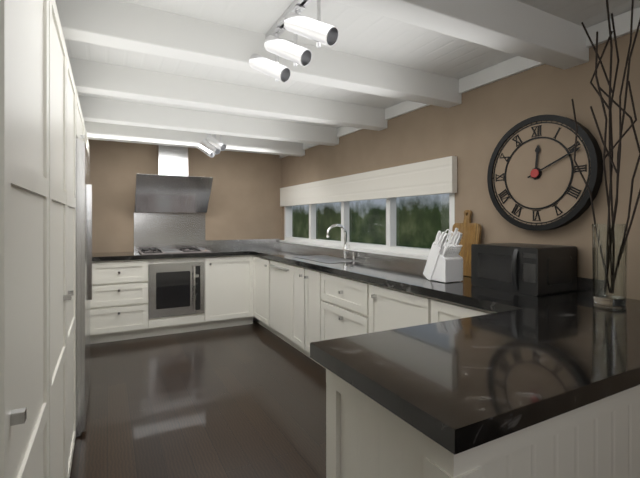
12.11
